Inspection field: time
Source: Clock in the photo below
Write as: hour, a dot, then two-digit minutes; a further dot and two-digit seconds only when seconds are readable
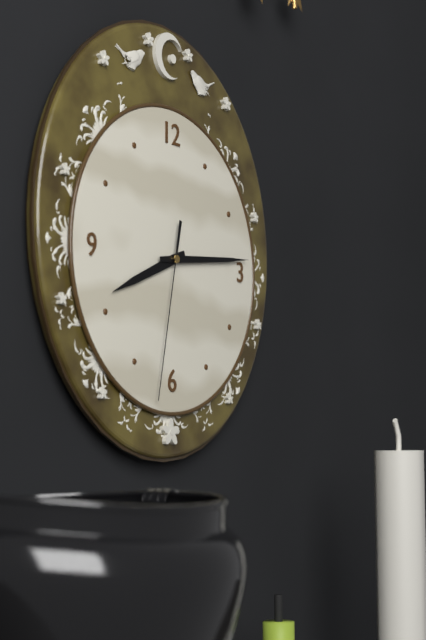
8.14.32
